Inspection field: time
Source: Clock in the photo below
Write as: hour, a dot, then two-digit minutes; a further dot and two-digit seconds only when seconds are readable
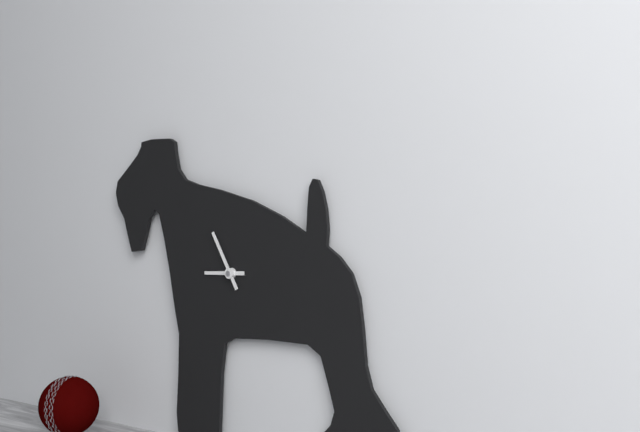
8.55
